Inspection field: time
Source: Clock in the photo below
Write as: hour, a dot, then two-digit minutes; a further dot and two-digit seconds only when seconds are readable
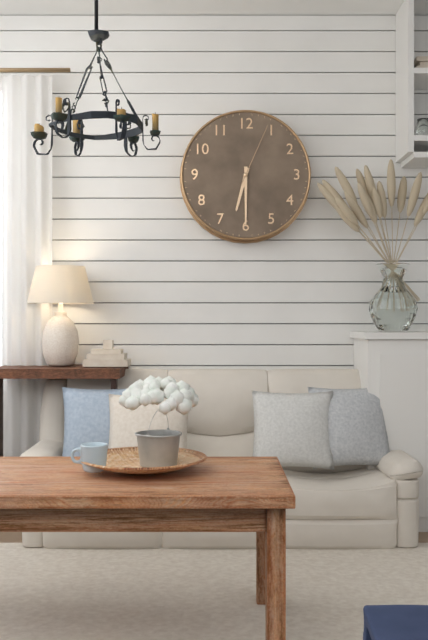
6.30.04
